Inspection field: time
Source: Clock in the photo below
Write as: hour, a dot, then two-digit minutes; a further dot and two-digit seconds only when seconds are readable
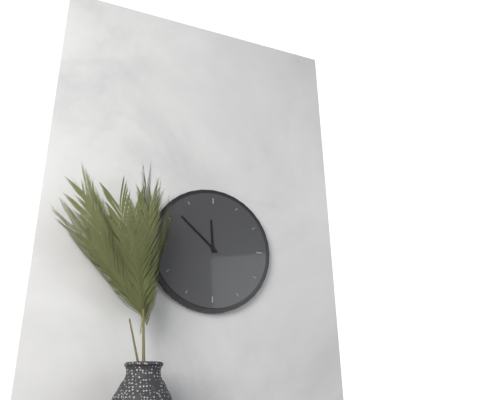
11.52
